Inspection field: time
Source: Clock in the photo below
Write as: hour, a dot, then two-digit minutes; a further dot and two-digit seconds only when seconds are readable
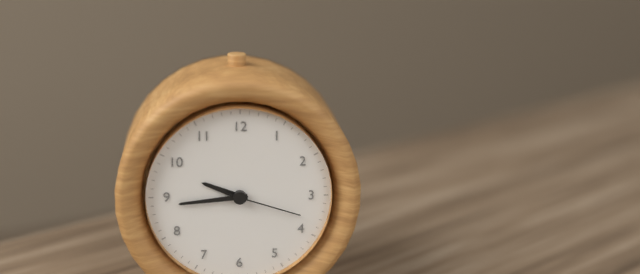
9.44.18
